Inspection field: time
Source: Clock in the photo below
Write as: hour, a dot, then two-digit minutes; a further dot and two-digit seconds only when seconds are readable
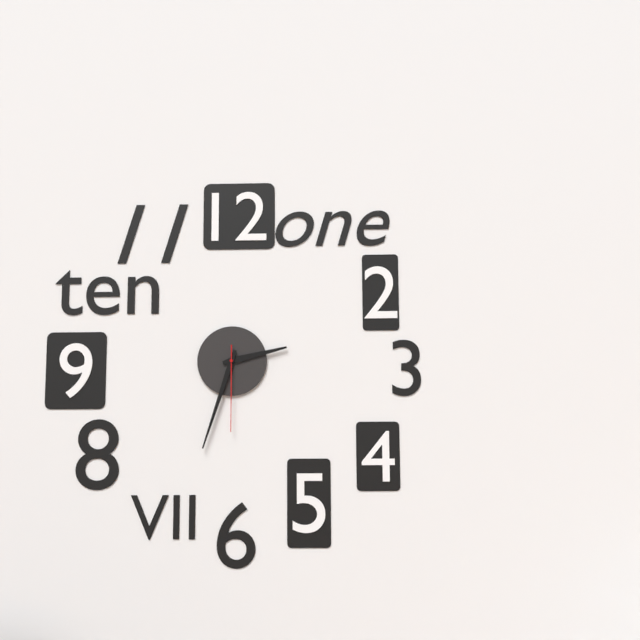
2.33.30
